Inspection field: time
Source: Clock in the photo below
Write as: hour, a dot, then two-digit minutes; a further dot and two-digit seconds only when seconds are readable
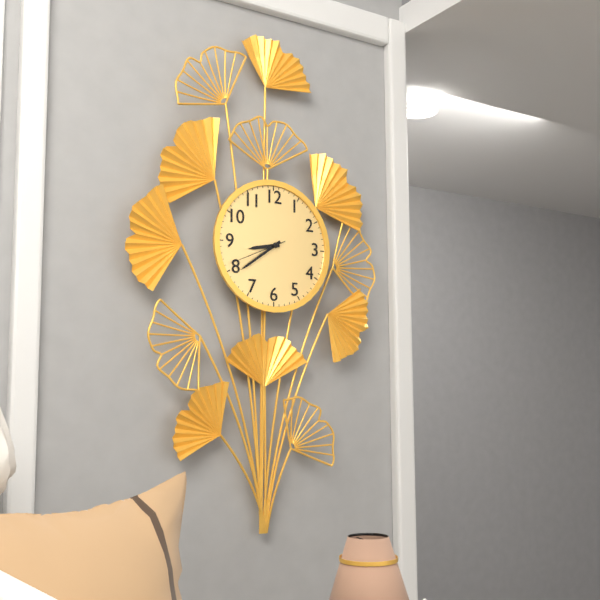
8.39.41
